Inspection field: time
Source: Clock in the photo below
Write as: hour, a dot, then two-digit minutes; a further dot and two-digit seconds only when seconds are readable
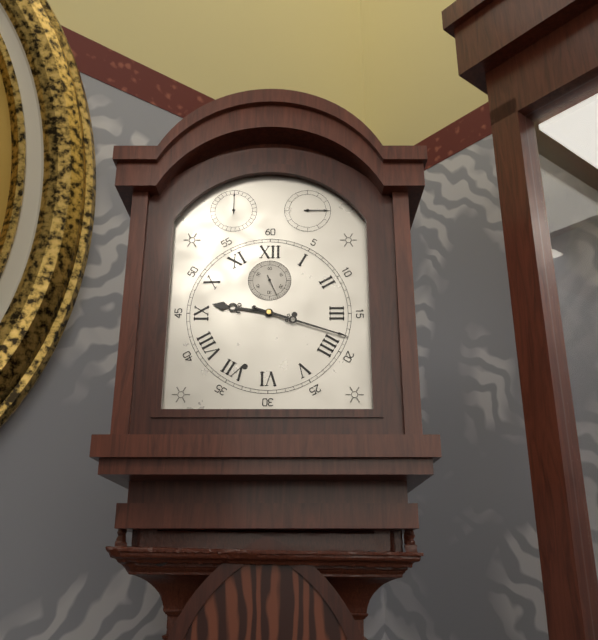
9.18
